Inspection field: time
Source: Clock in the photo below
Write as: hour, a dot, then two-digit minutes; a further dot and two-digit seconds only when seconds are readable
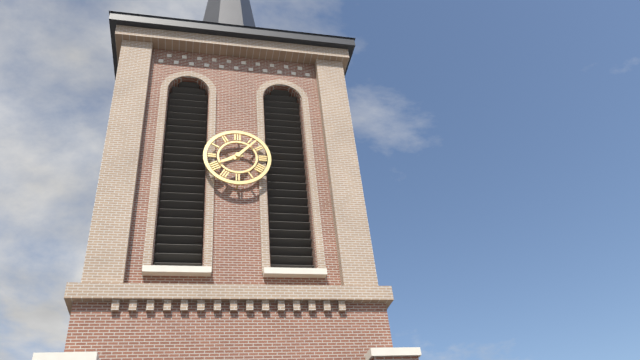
8.07
